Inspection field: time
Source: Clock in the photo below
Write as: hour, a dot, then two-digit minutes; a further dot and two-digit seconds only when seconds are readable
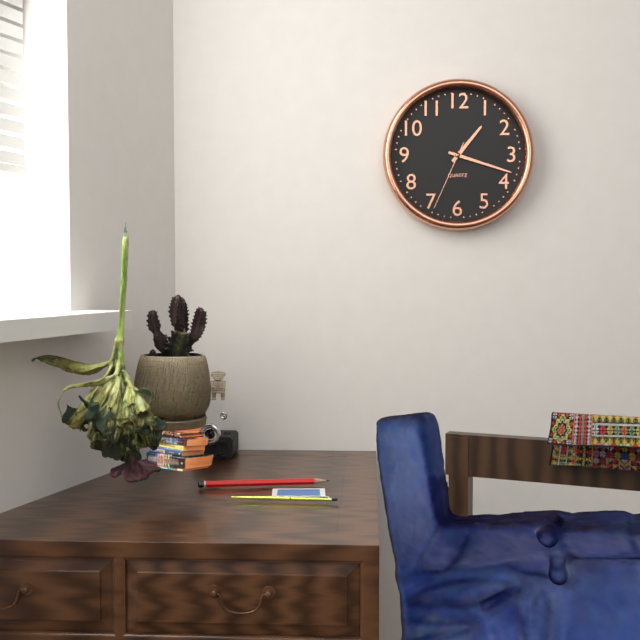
1.18.34
